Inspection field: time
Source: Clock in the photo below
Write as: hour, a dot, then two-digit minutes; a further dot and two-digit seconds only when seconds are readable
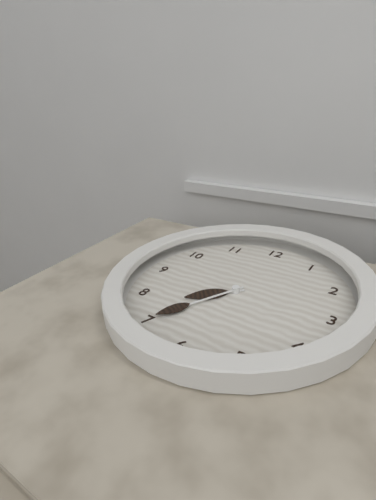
7.35
